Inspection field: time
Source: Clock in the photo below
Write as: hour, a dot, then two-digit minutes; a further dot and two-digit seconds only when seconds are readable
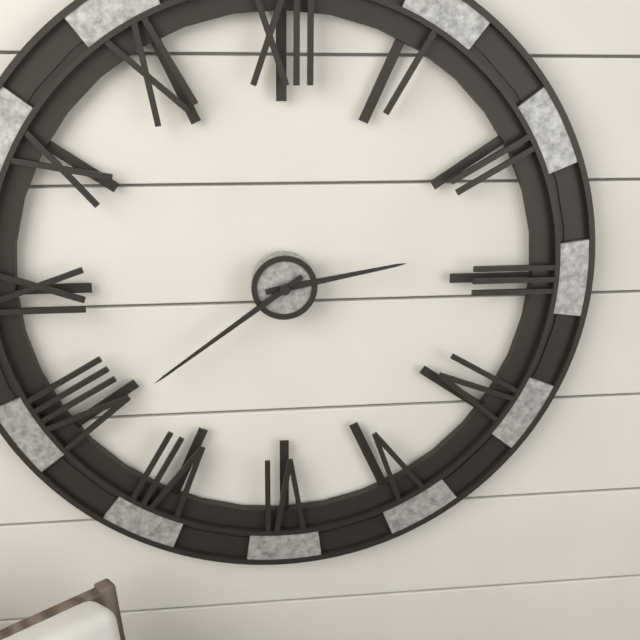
2.39
